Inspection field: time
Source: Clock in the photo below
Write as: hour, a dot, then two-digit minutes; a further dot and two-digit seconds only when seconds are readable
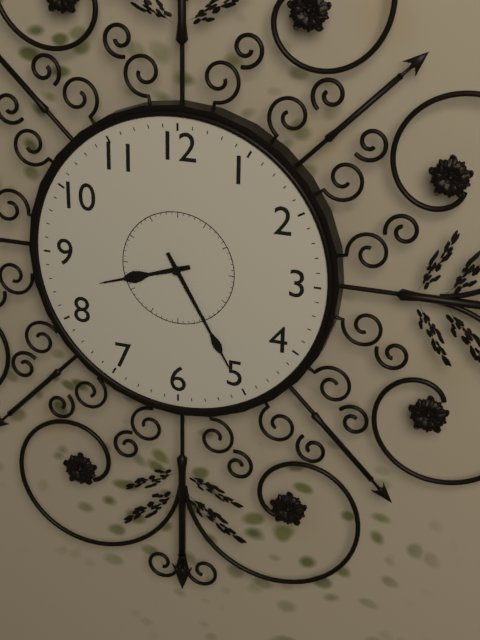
8.25
